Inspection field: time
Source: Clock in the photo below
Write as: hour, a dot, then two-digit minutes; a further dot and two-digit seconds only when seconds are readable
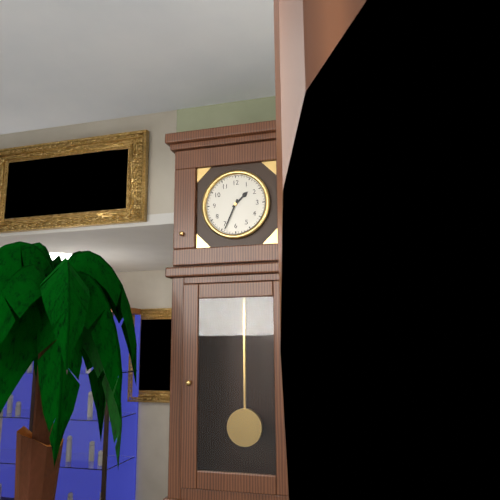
1.34
